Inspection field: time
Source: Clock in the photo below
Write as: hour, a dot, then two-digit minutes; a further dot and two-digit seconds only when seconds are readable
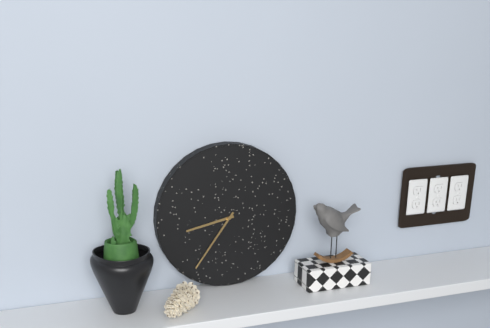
8.36
